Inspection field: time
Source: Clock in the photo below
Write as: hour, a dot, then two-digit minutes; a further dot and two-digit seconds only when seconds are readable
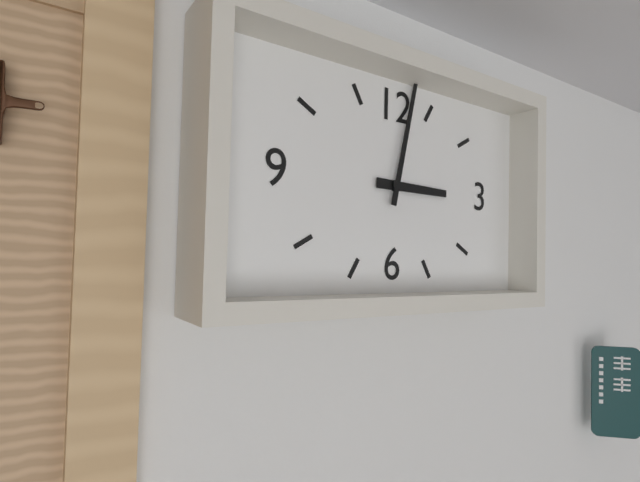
3.02
